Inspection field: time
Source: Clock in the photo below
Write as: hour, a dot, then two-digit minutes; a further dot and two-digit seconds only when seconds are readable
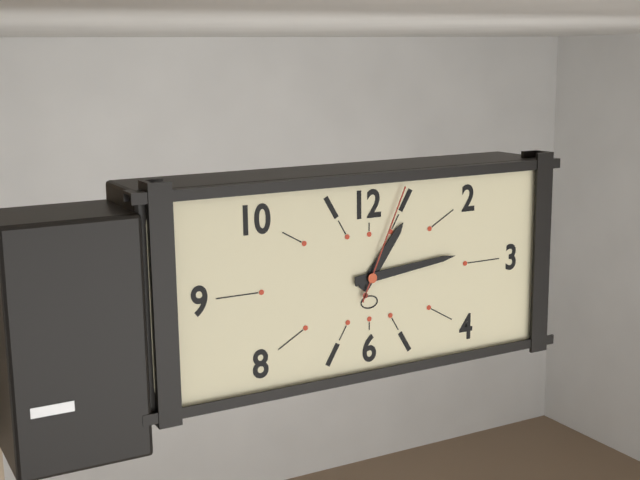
1.14.04
